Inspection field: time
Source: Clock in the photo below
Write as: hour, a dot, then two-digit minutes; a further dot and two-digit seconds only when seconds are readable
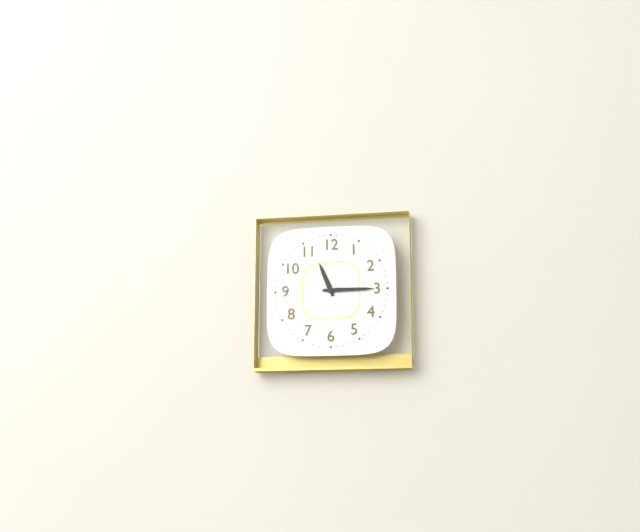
11.15
